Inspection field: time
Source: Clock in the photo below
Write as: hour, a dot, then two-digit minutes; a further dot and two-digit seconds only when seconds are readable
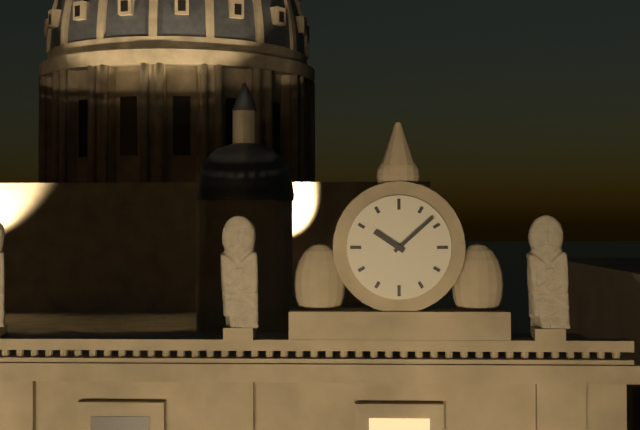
10.08
